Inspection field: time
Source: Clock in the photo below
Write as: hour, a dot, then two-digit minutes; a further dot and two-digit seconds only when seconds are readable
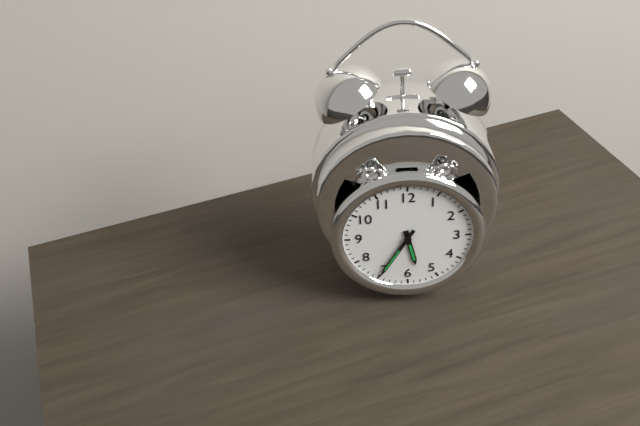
5.35
